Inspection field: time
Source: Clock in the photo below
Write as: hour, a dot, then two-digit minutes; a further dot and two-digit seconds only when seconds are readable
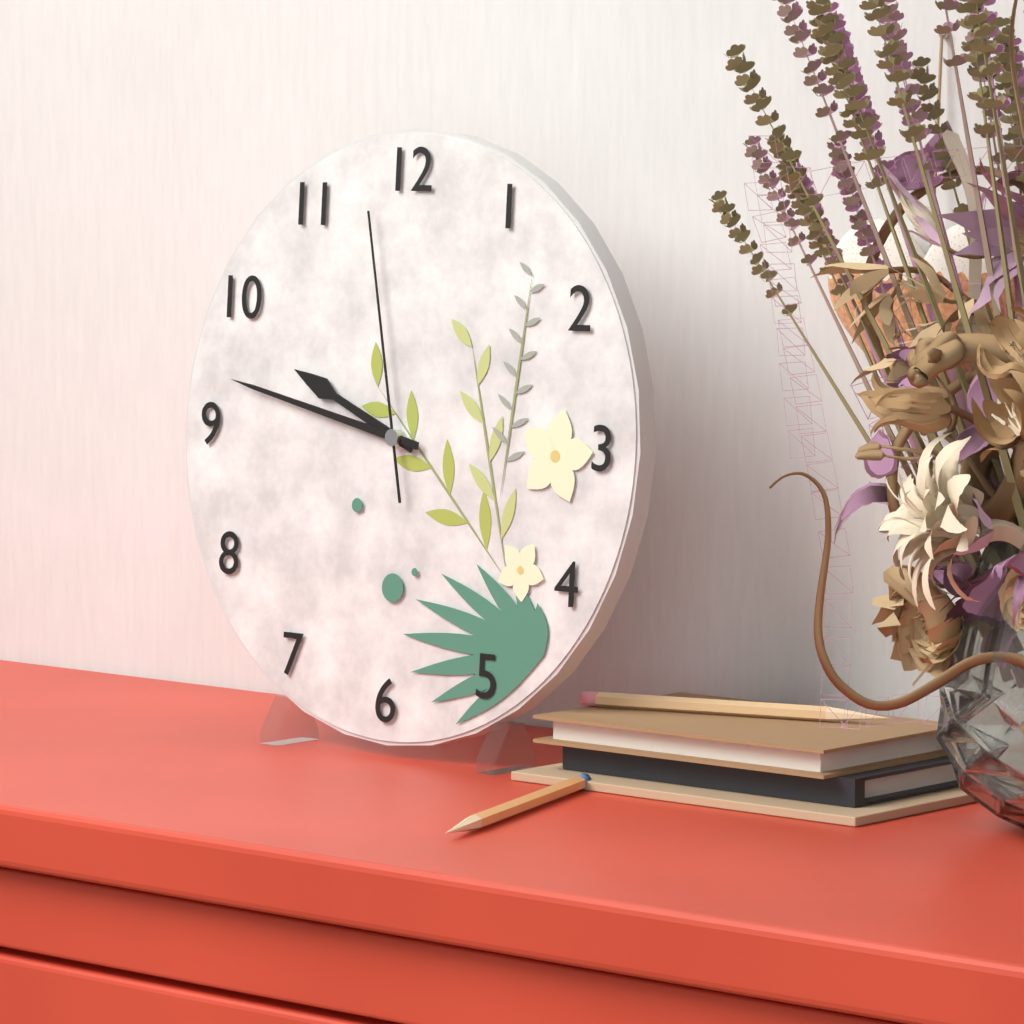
9.47.58
